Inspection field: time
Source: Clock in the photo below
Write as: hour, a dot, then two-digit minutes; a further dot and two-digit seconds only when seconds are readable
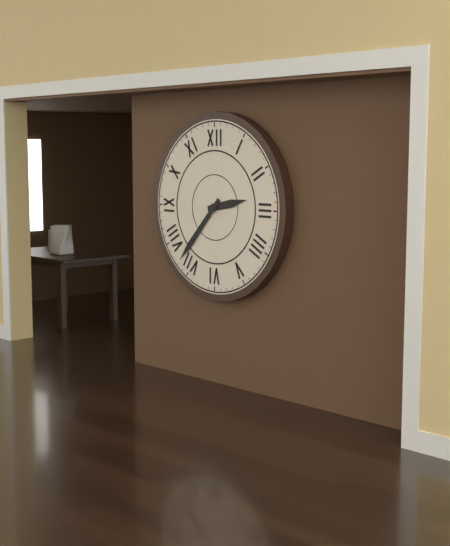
2.37
